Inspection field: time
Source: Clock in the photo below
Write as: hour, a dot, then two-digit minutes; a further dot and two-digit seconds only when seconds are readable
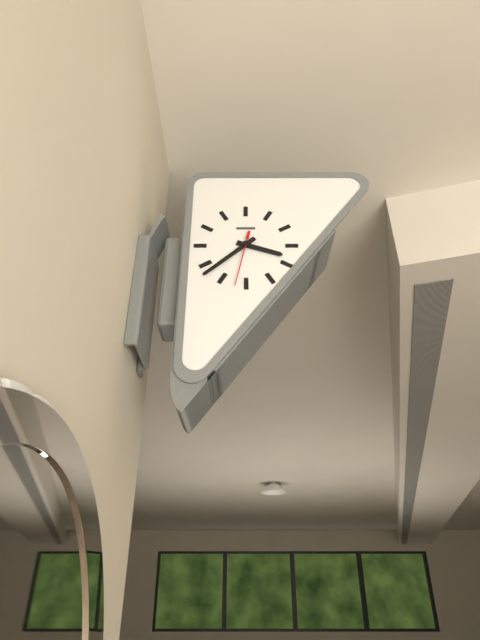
3.38.32
